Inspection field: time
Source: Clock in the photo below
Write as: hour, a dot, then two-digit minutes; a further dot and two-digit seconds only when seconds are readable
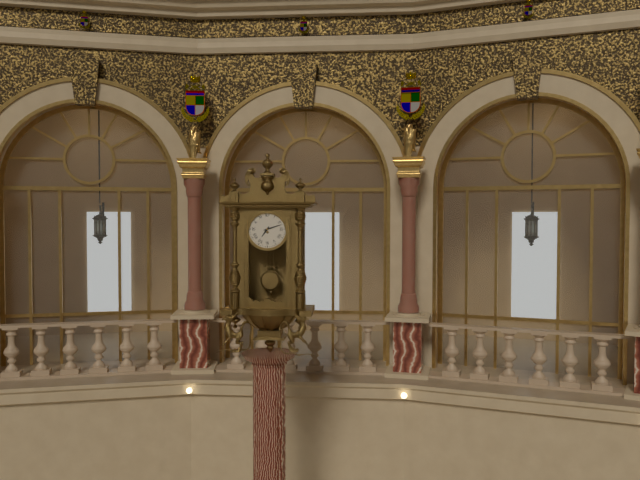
7.12
